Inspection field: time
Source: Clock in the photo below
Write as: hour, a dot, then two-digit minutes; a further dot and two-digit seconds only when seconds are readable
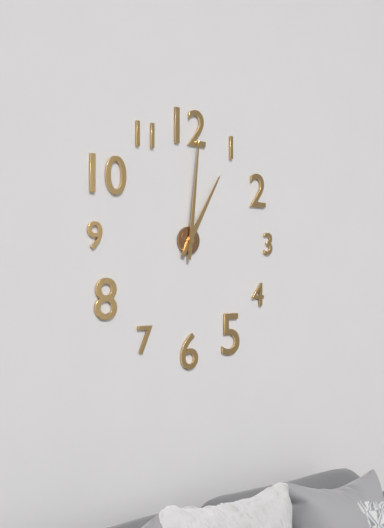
1.01
